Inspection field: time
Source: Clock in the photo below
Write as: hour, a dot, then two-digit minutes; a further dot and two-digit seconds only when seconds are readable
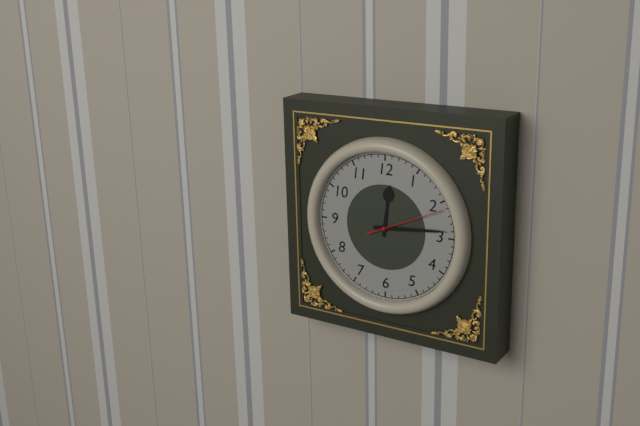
12.14.11
